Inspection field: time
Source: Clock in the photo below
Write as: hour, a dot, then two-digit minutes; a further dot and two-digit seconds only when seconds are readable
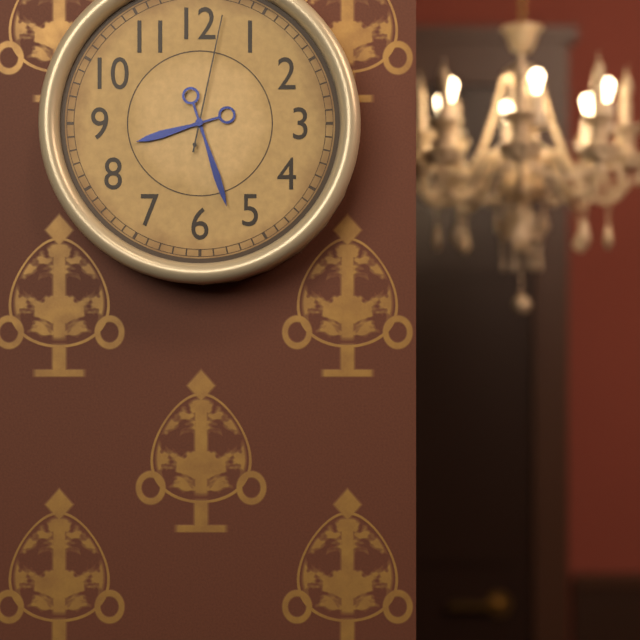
8.27.02
